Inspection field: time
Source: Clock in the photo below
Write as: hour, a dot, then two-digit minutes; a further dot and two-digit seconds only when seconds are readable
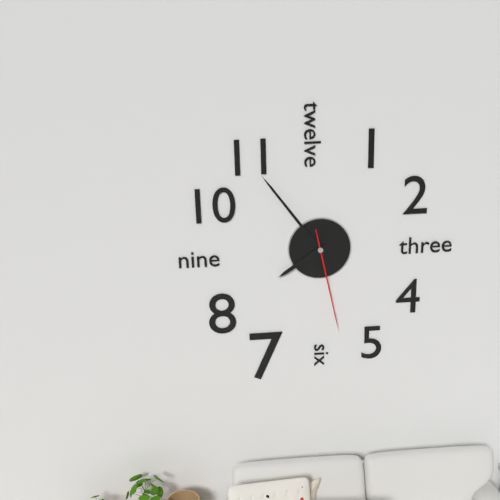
7.54.28
